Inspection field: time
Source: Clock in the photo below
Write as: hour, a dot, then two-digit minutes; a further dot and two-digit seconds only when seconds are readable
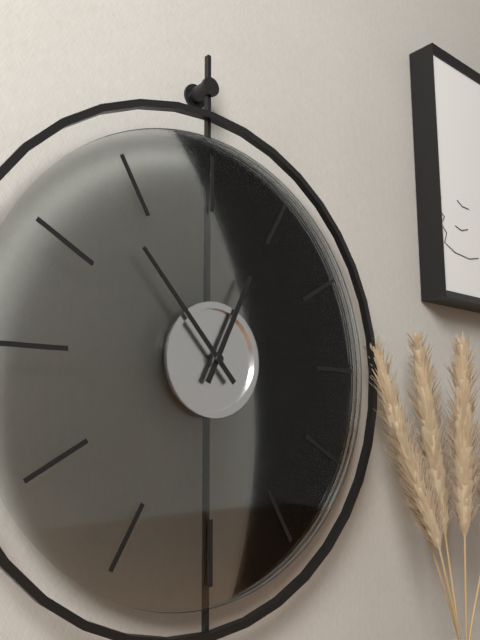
12.53
